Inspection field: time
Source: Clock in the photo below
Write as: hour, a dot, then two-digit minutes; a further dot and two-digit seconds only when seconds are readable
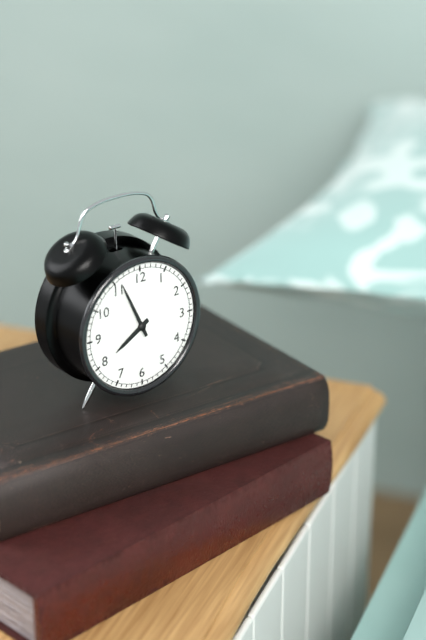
7.56
